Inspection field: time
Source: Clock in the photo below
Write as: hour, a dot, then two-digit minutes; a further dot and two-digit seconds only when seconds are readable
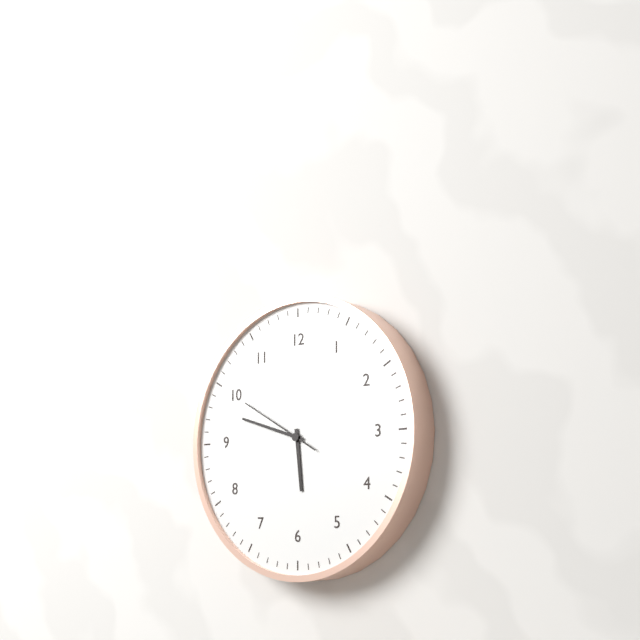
5.48.50
